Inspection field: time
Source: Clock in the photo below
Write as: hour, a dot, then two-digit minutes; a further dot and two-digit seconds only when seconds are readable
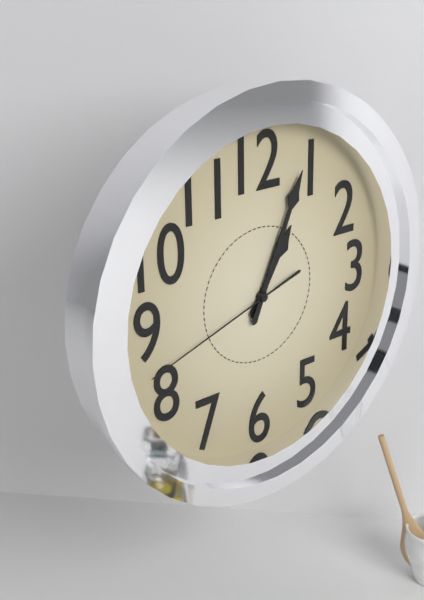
1.04.42
